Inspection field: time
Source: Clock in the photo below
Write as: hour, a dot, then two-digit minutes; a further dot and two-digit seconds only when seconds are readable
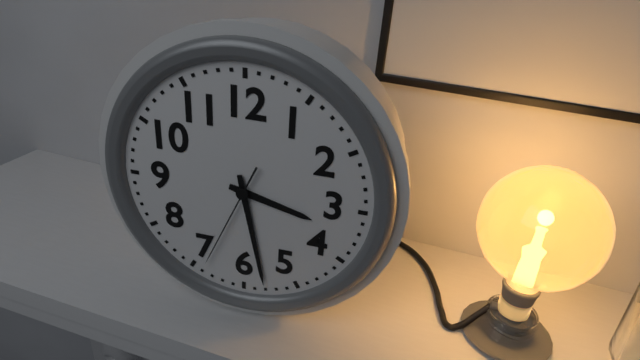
3.28.34
